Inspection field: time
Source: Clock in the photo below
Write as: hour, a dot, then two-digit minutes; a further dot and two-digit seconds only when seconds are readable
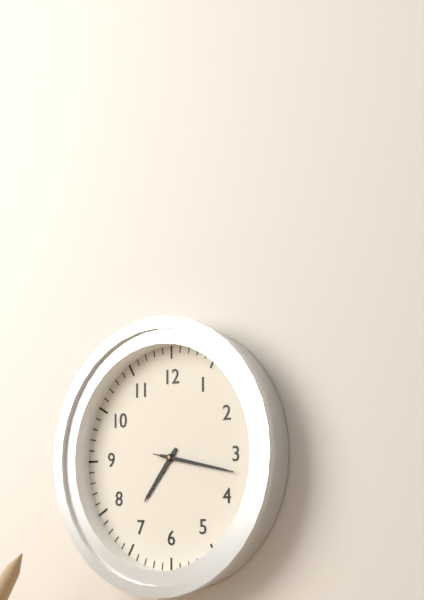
7.17.17
